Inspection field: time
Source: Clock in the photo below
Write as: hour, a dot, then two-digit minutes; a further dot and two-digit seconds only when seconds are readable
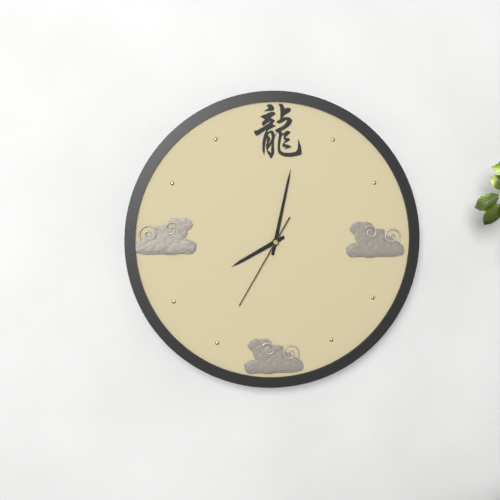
8.02.35
